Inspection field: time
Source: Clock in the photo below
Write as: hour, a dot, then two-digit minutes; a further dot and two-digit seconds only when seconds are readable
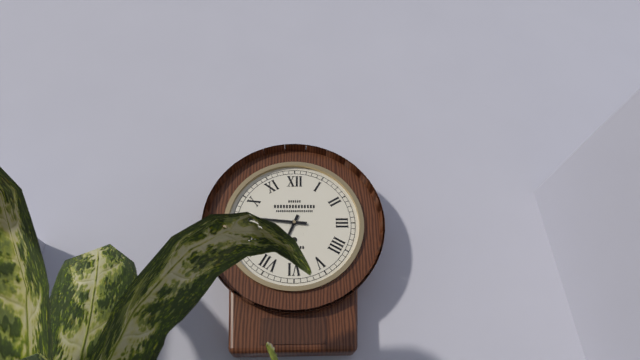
6.46
